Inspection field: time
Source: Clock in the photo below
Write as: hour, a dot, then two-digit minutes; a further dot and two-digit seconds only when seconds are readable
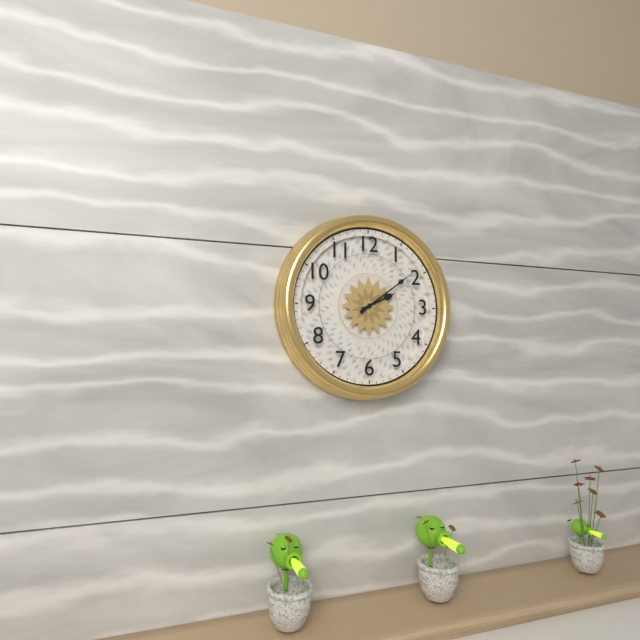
2.09
